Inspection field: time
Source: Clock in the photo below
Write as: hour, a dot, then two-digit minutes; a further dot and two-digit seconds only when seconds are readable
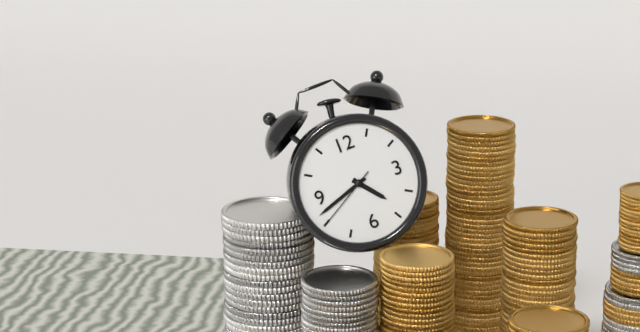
4.42.40
